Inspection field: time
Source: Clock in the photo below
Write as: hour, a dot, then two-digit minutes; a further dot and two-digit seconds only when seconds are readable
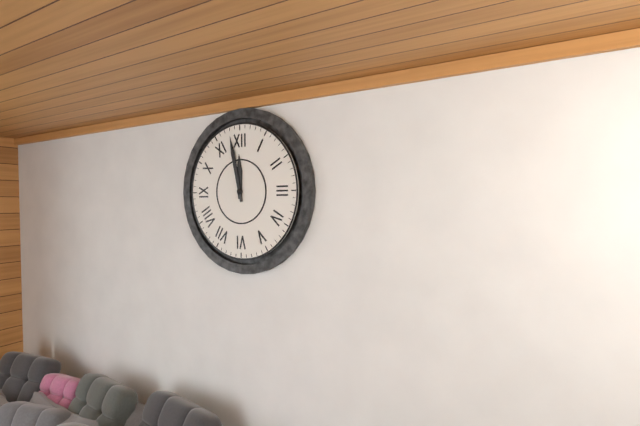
11.58
